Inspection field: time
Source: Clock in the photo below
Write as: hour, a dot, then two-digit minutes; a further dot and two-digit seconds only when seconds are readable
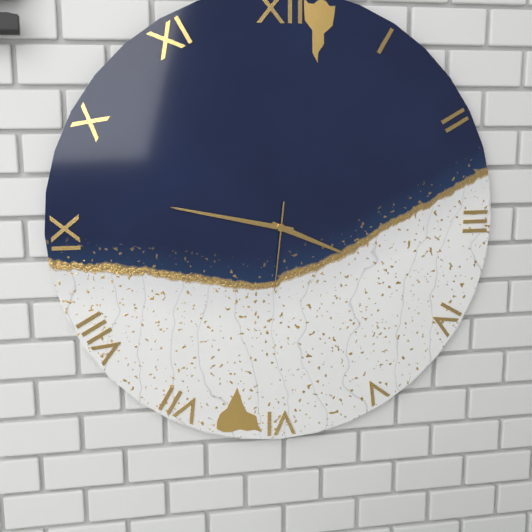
3.47.31
